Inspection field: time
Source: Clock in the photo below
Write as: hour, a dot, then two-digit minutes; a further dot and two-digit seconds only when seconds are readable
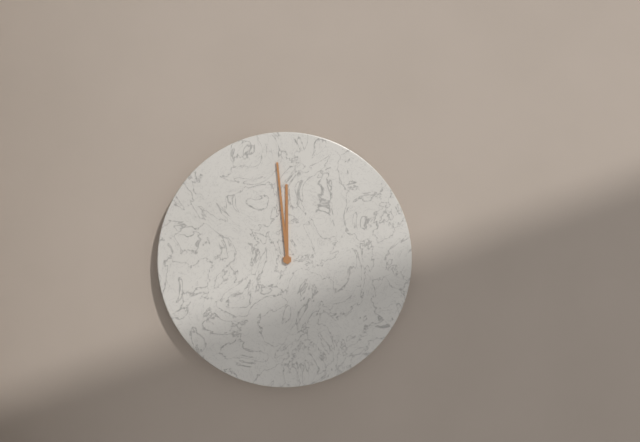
11.59
